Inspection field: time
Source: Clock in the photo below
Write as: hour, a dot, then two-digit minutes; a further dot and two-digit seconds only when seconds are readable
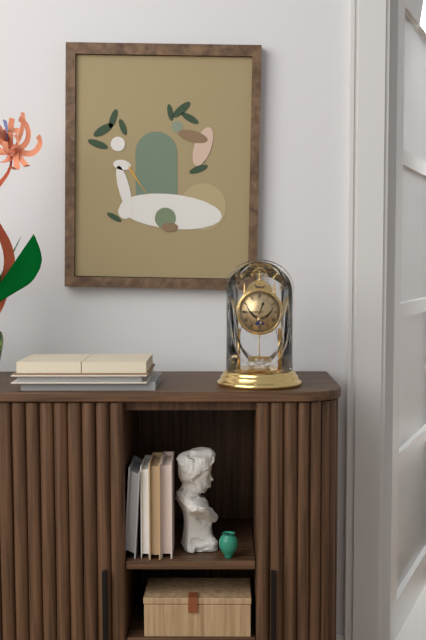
12.45
